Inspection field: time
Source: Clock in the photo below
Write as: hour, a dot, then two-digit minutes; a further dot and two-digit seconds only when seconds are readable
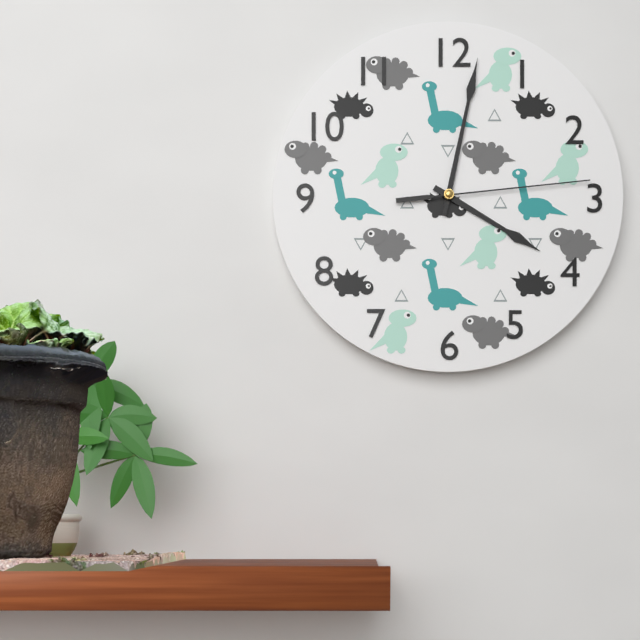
4.02.14
